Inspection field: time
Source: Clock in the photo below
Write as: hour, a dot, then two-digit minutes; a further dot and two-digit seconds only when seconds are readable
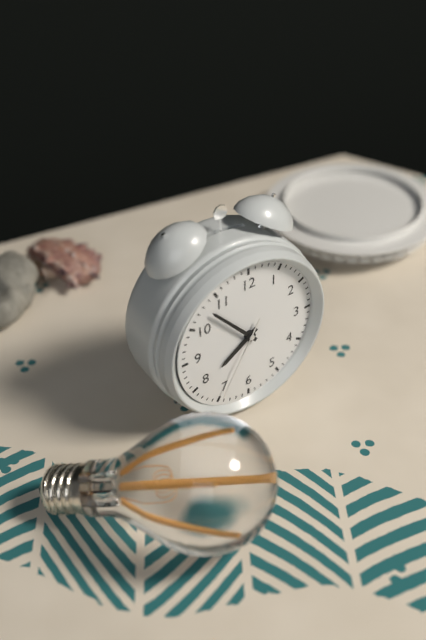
7.53.35
